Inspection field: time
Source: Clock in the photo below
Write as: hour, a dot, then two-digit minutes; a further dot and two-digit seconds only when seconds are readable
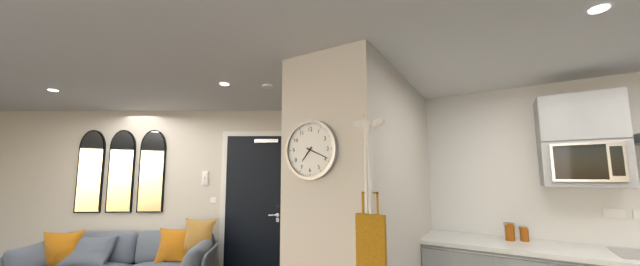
7.19
